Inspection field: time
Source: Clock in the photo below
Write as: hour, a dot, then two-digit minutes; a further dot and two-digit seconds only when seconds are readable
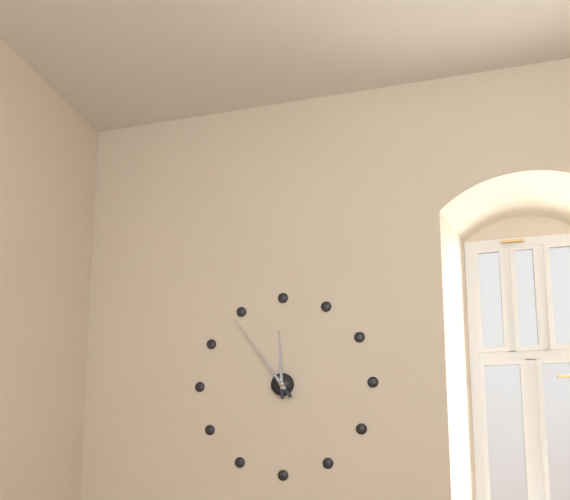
11.54
